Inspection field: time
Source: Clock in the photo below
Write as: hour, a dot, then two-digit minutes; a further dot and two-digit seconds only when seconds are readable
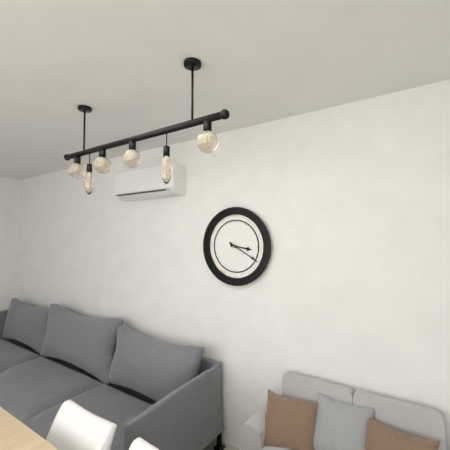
3.20
